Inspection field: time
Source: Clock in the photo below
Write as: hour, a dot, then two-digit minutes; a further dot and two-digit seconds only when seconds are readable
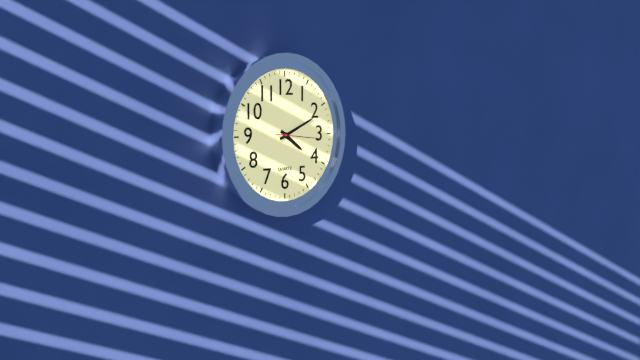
4.11.16
